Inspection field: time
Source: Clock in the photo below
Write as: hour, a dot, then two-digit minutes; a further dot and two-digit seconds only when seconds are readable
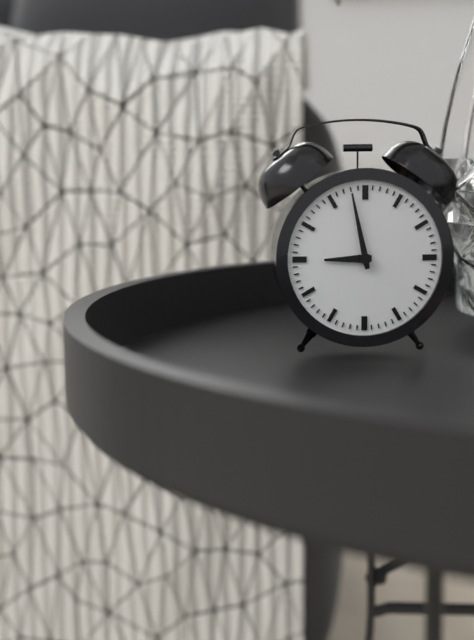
8.58
